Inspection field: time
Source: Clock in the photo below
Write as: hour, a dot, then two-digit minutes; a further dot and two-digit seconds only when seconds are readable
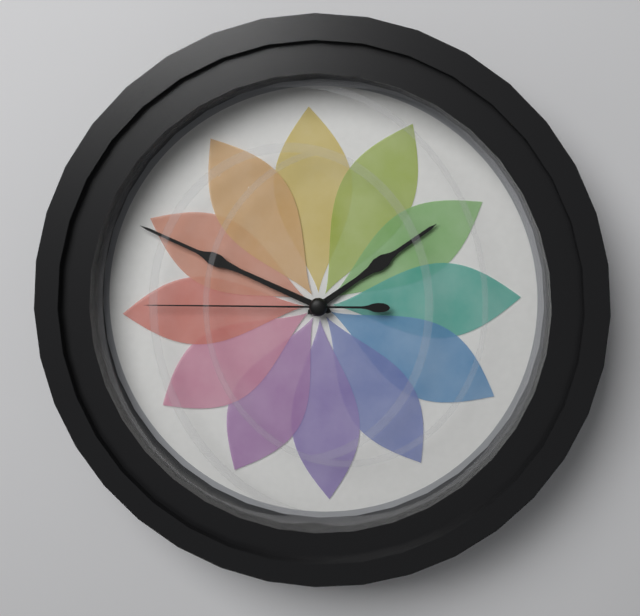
1.49.45
